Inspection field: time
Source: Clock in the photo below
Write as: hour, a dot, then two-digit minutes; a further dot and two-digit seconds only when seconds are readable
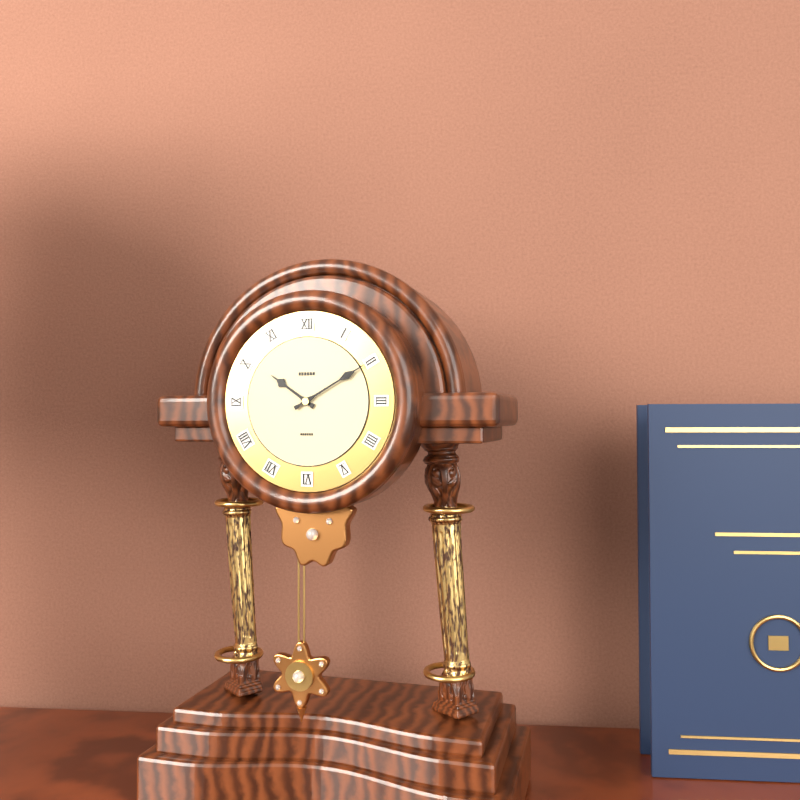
10.10
